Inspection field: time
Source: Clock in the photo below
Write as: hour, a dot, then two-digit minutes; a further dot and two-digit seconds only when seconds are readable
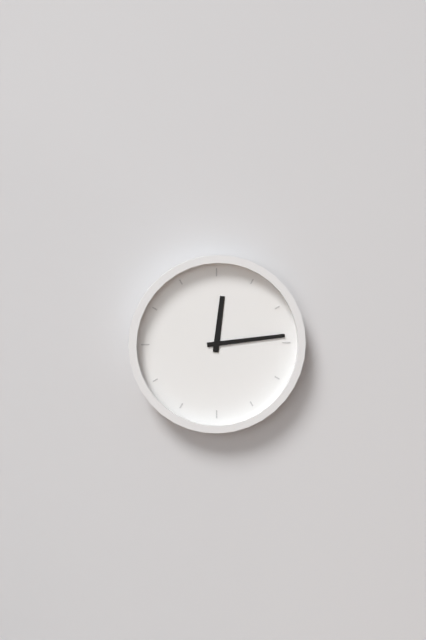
12.14
